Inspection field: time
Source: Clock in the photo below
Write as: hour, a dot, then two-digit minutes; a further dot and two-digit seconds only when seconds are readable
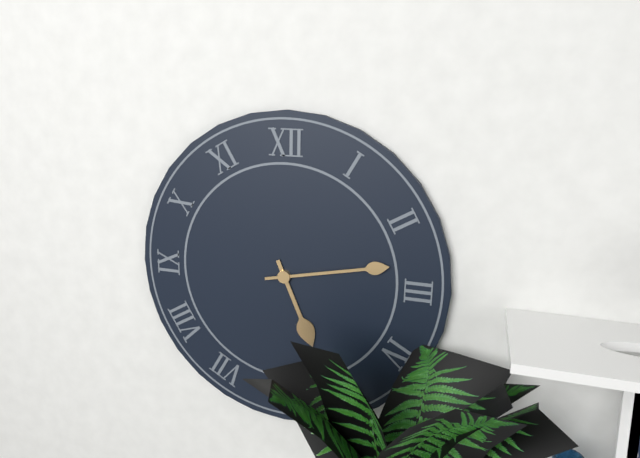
5.13
